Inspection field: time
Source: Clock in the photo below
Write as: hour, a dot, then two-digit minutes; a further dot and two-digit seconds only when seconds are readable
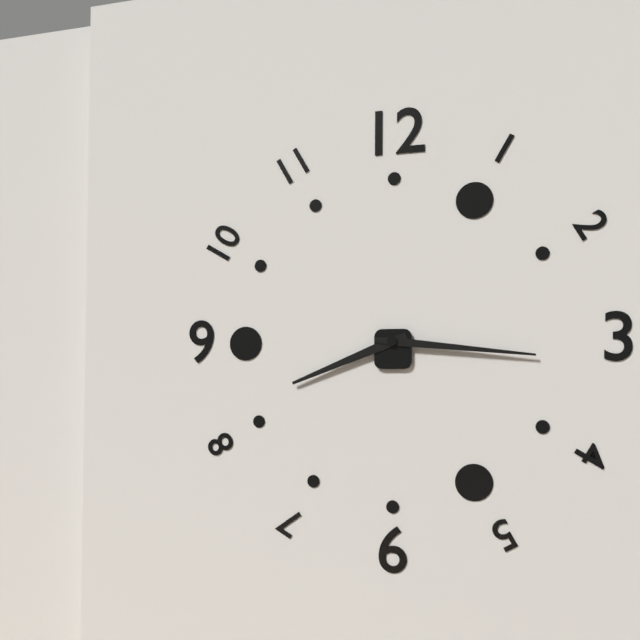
8.16
